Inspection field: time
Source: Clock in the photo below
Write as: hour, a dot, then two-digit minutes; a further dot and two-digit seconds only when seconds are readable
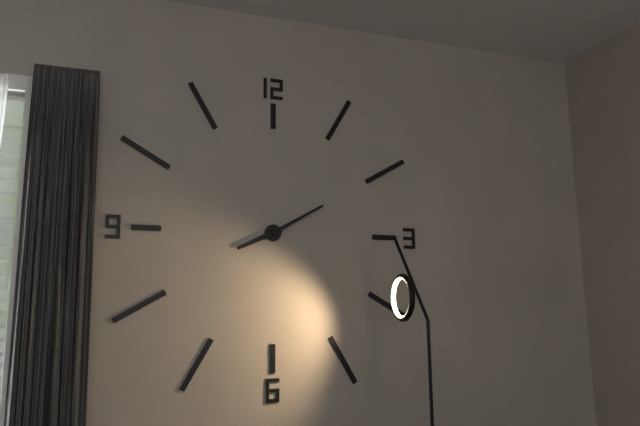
8.10
